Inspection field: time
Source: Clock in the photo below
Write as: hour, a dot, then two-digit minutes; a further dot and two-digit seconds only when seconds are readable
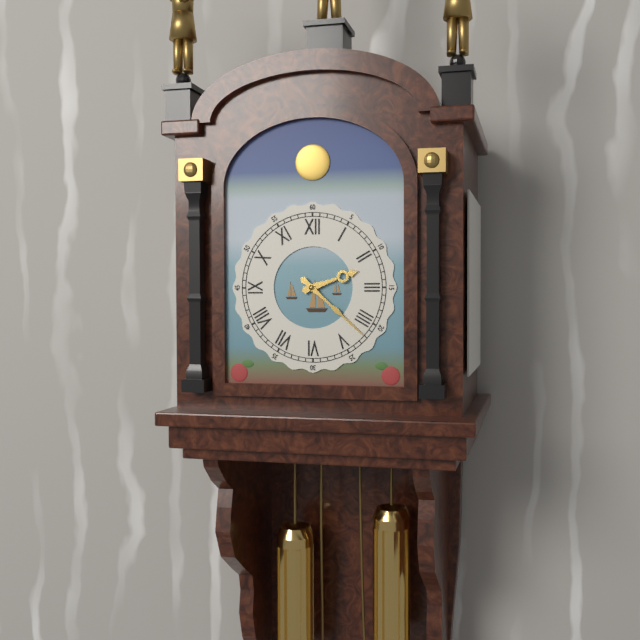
2.22
